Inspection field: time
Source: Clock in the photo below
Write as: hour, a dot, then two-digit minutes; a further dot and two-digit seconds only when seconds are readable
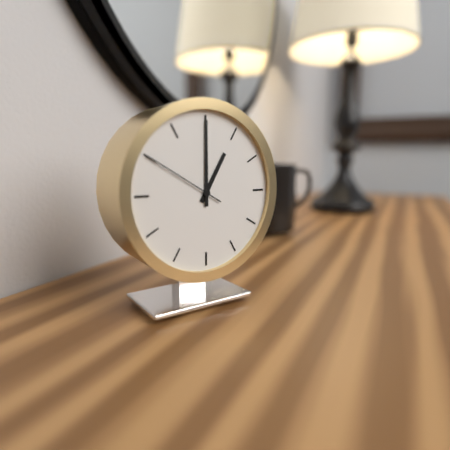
1.00.50
